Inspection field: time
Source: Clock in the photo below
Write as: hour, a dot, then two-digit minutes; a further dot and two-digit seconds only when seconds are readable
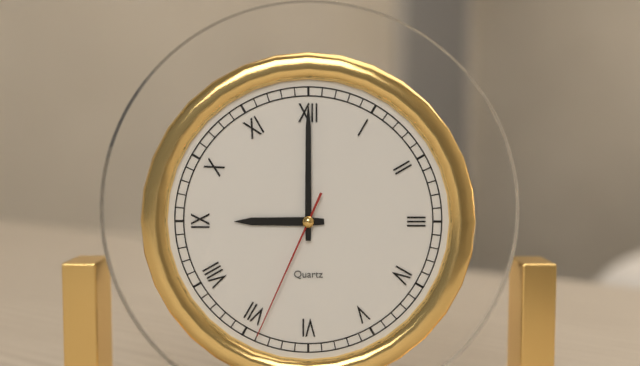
9.00.34
